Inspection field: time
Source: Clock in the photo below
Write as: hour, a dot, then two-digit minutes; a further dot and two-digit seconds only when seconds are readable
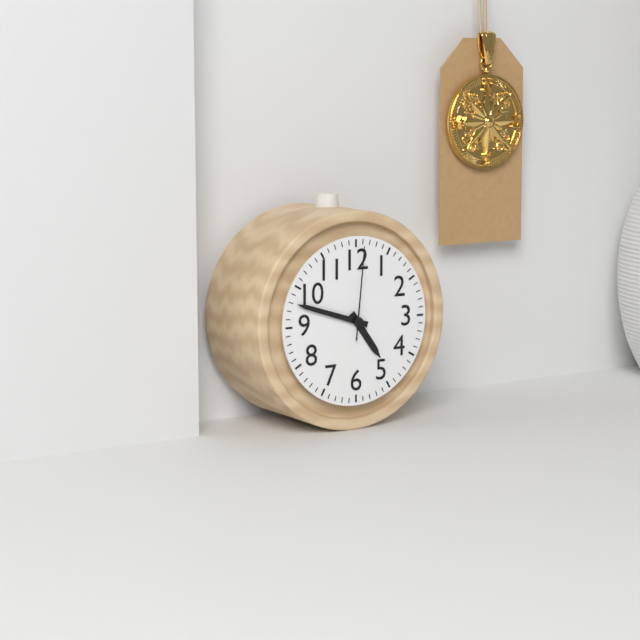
4.48.01
